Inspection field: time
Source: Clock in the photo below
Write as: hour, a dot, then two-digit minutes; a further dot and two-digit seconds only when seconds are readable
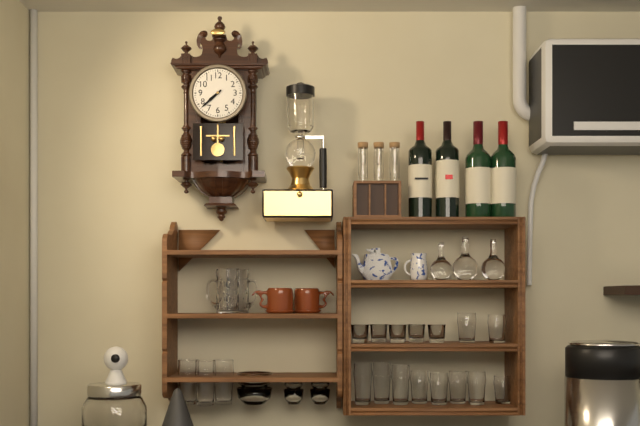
7.38
